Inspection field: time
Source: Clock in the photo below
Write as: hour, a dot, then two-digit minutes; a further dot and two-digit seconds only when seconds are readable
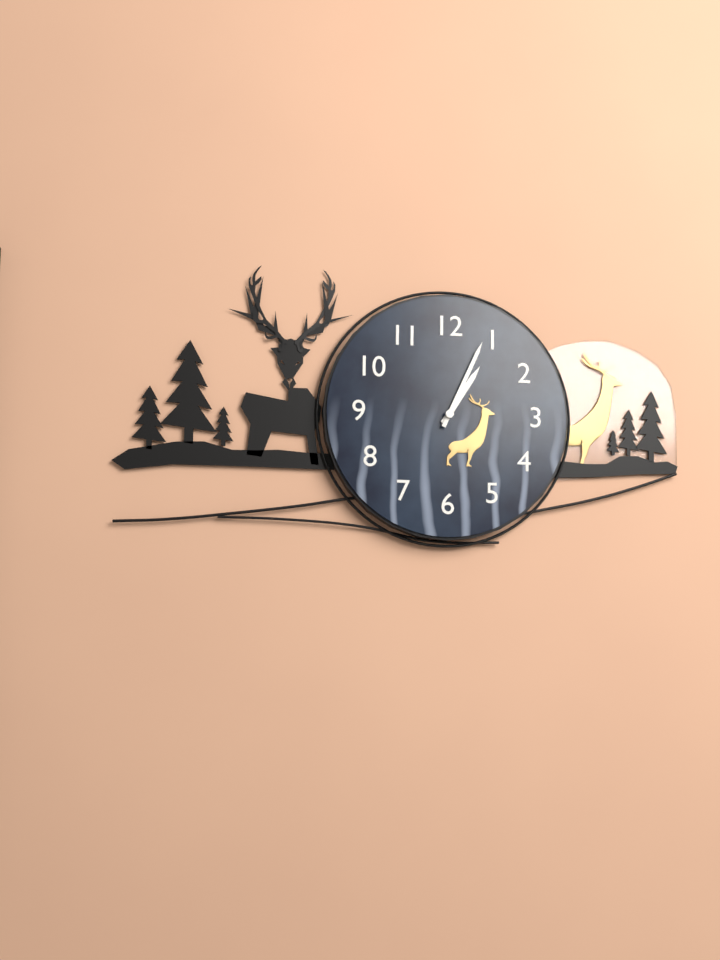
1.04
